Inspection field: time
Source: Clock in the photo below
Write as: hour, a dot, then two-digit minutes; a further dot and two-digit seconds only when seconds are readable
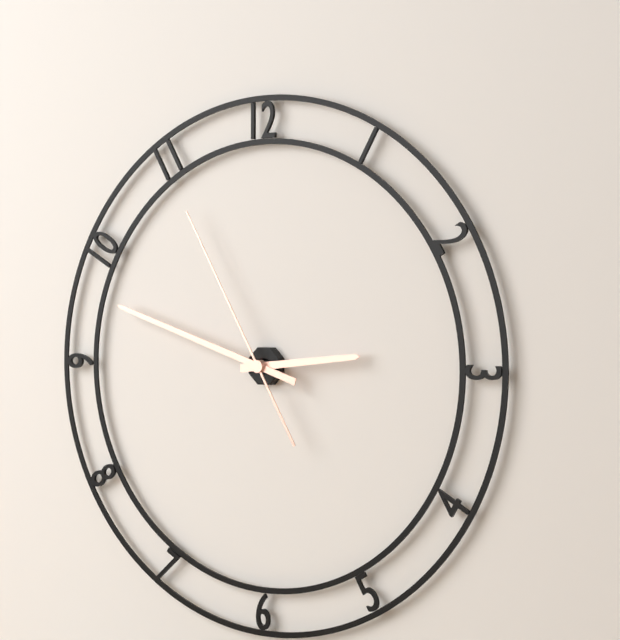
2.48.55
